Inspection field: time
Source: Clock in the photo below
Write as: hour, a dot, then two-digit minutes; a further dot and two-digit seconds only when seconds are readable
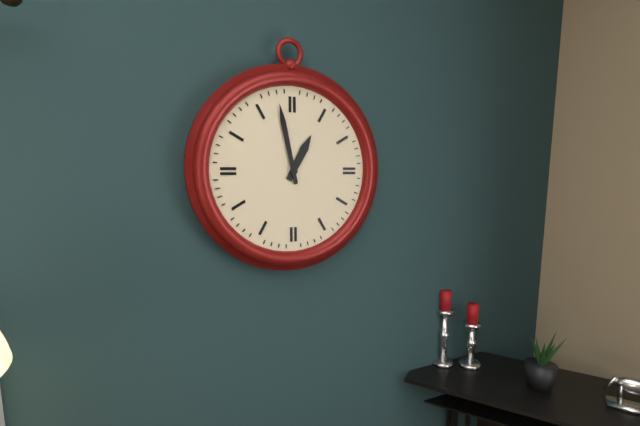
12.58
